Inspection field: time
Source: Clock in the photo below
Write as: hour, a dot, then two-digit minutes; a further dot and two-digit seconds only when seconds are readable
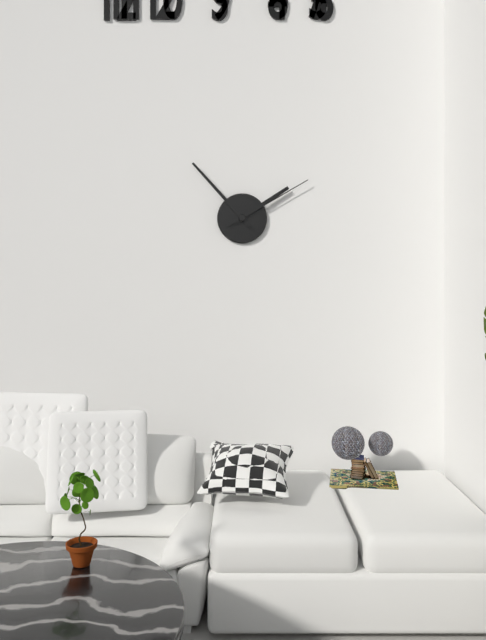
1.53.10
